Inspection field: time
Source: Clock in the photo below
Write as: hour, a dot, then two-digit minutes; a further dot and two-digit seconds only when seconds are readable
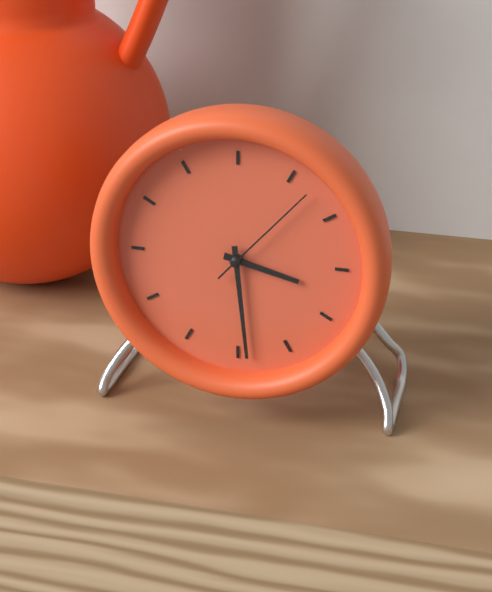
3.29.07
